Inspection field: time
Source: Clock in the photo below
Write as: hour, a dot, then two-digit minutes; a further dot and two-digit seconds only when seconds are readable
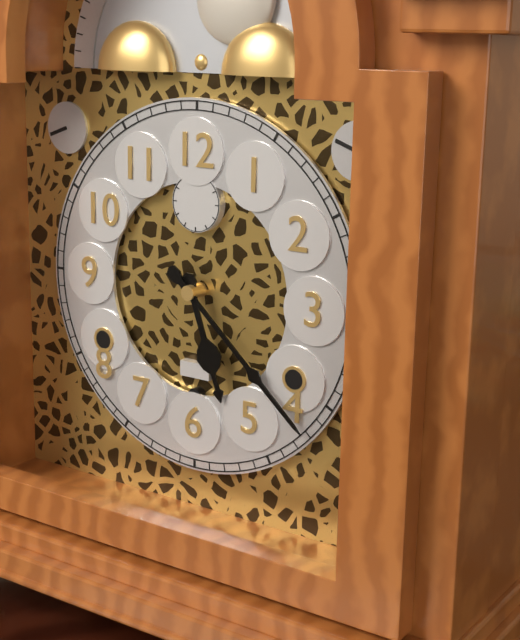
5.22
